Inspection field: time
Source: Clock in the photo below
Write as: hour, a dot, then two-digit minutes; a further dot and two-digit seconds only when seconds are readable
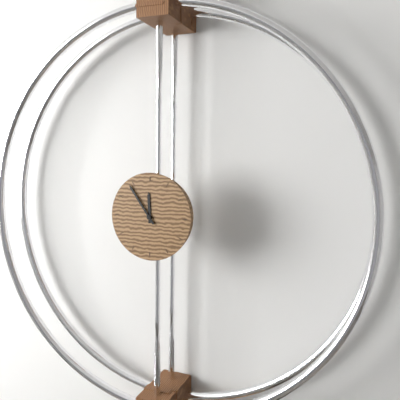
11.54
